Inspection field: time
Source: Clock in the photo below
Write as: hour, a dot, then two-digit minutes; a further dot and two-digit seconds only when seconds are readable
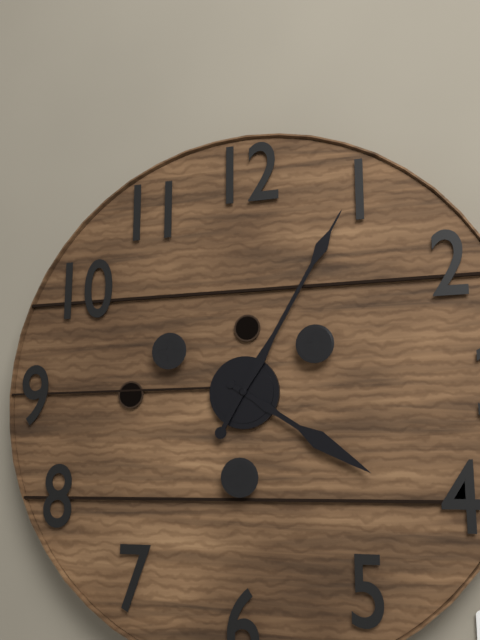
4.05
